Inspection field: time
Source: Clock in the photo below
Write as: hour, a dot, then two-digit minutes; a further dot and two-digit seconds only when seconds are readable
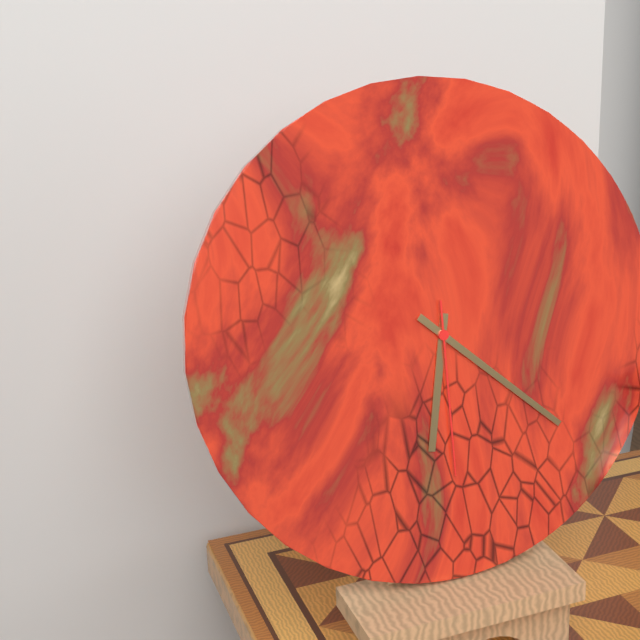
6.22.30
